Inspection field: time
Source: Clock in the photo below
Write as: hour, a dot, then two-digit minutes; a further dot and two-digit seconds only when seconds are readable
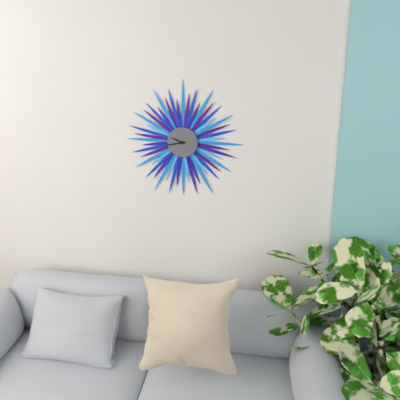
9.43
